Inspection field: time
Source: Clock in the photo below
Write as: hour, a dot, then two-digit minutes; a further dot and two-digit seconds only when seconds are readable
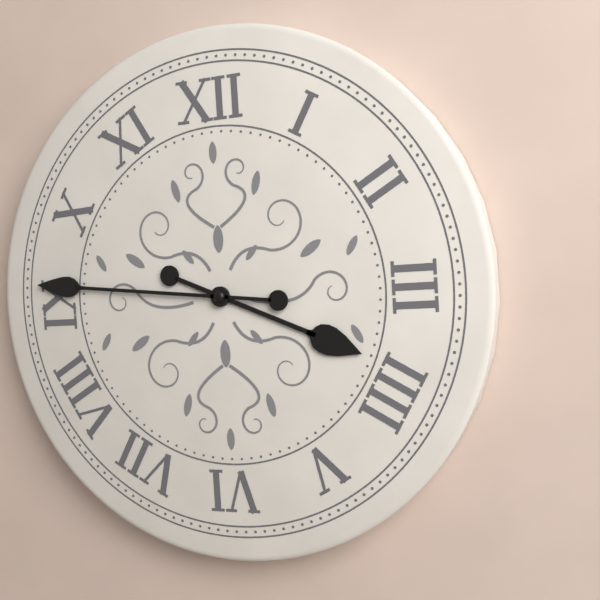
3.46
